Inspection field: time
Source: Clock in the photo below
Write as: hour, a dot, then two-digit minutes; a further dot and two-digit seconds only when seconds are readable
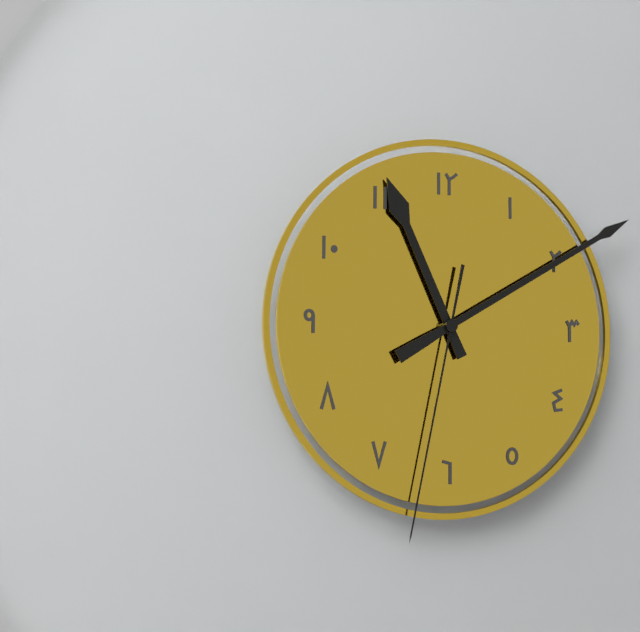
11.10.32
